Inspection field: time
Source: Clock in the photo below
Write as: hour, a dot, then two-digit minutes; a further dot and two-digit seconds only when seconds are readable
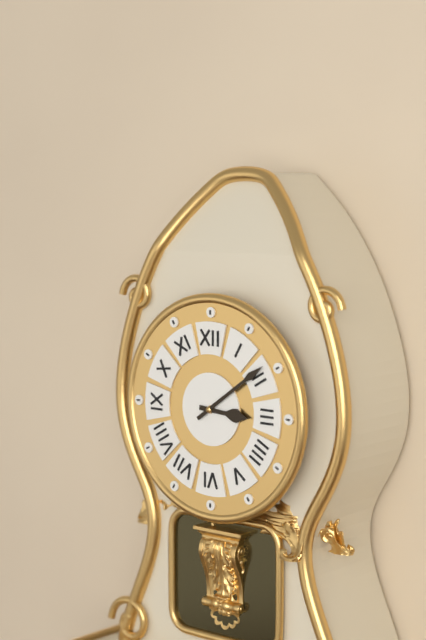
3.09
